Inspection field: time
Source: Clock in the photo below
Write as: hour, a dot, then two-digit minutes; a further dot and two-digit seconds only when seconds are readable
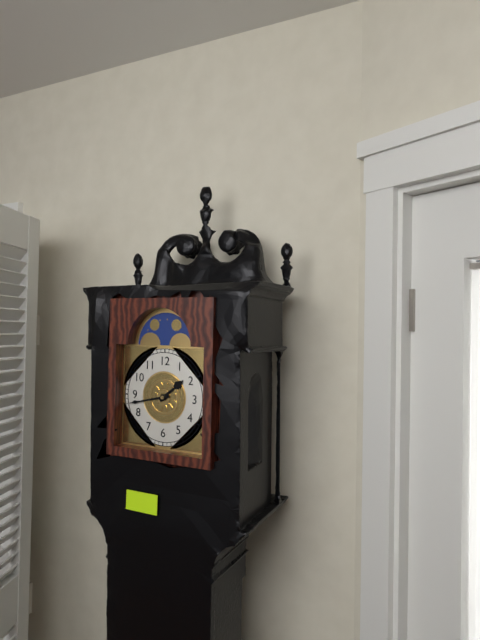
1.43
